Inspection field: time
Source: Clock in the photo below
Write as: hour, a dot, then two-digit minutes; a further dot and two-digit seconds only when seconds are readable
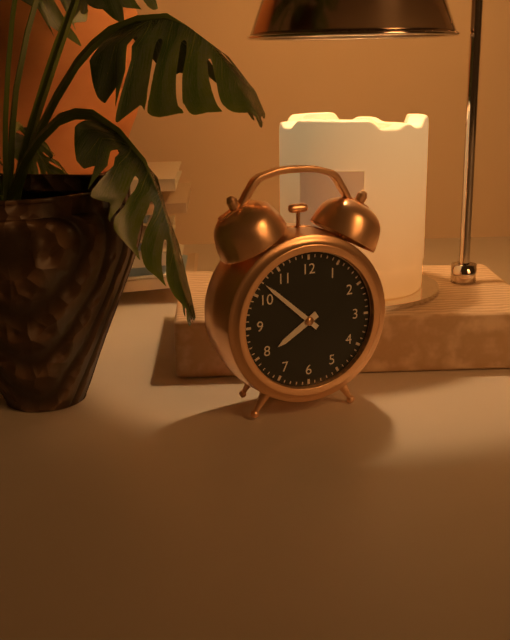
7.52
